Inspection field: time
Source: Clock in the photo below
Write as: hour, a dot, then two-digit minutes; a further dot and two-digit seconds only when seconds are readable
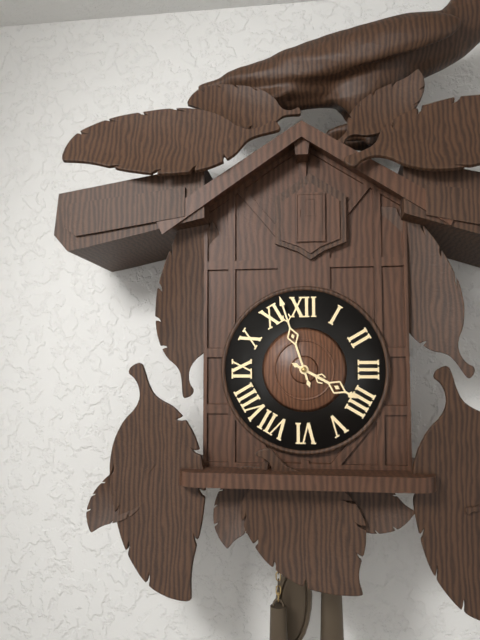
3.57
